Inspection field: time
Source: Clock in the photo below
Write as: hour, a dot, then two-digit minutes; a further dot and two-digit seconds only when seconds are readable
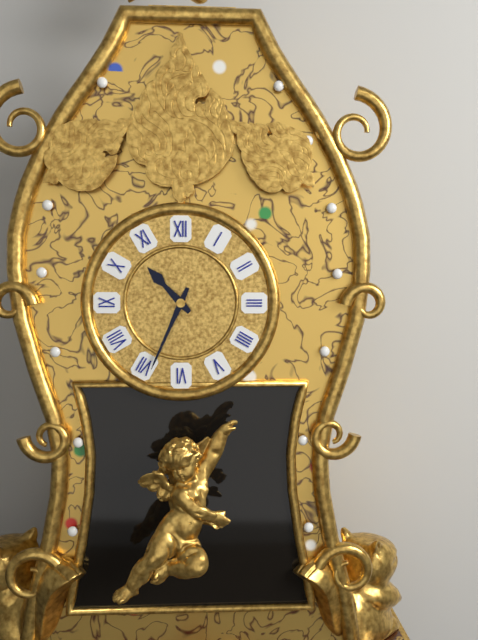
10.34
